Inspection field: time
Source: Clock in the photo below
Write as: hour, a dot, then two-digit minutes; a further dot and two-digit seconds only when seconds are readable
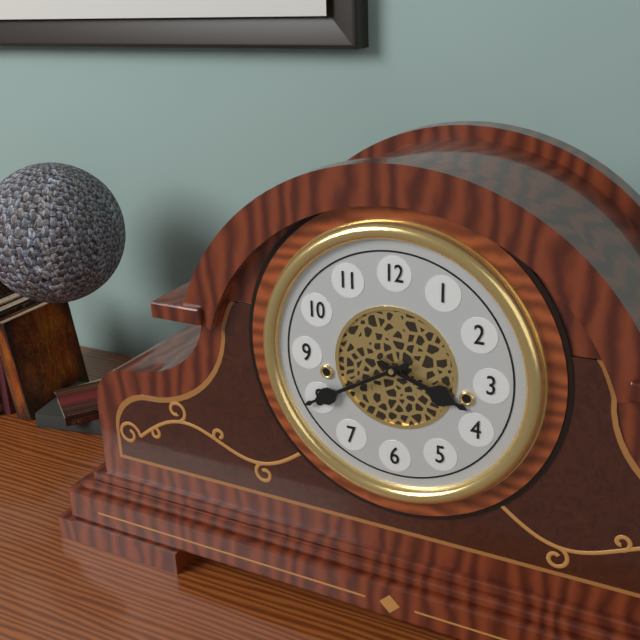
3.40
